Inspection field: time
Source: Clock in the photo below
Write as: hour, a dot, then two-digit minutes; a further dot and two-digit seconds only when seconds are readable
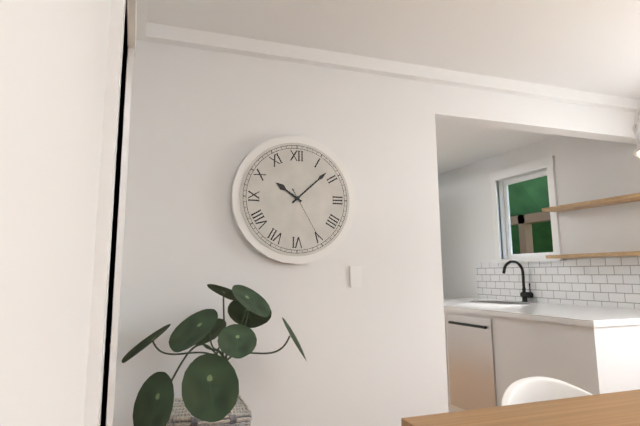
10.08.25
